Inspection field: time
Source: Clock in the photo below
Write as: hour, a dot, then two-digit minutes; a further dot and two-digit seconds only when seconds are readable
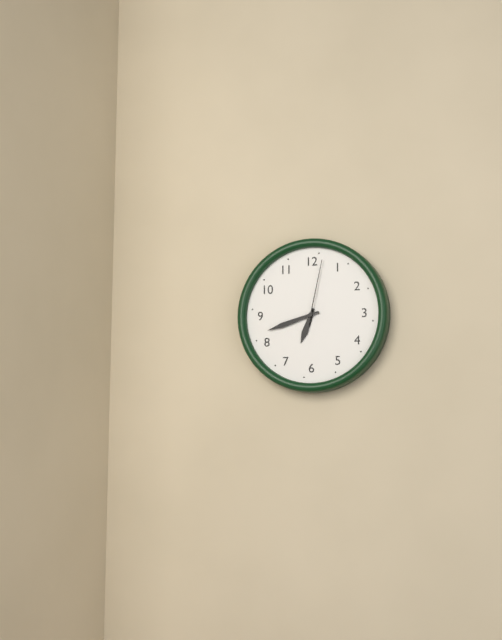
6.42.02
